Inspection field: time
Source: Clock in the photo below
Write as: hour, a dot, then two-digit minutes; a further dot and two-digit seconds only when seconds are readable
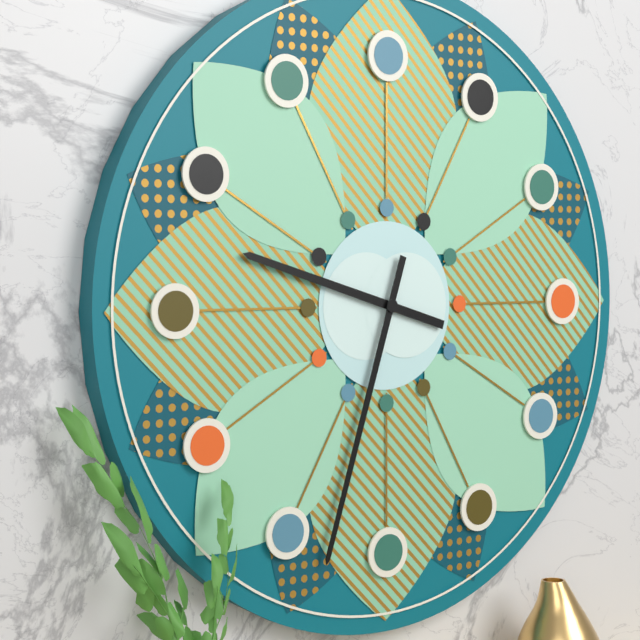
9.33
